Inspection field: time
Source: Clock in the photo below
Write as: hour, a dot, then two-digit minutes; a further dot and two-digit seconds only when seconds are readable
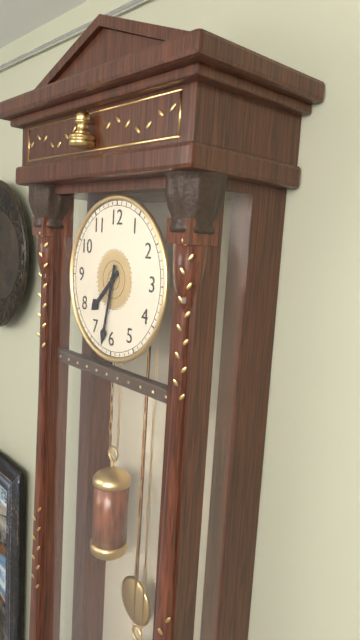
7.32
